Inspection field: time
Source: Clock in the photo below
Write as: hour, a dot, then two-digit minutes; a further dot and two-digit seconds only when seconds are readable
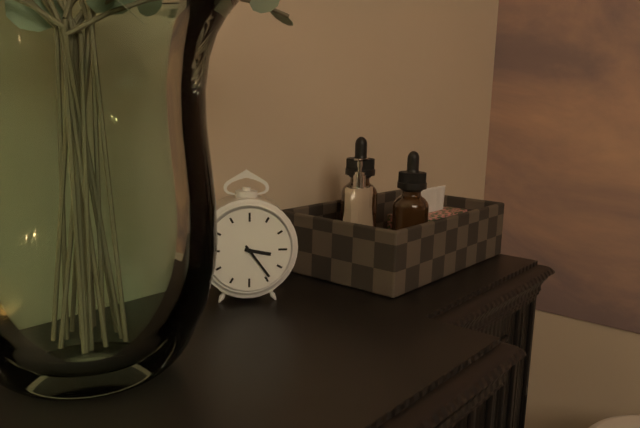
3.24
